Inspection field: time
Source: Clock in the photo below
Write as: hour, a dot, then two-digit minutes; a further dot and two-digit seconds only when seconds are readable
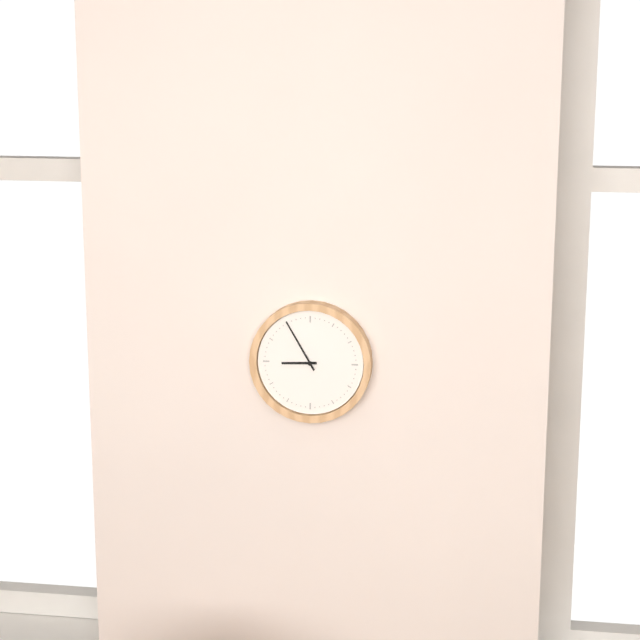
8.55
